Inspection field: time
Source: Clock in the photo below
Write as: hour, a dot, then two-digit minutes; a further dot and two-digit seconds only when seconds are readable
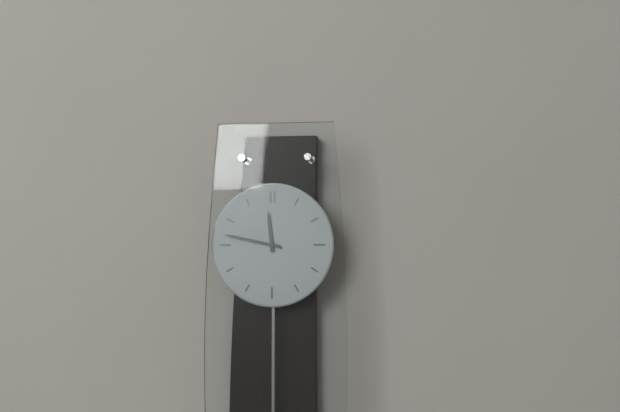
11.47
